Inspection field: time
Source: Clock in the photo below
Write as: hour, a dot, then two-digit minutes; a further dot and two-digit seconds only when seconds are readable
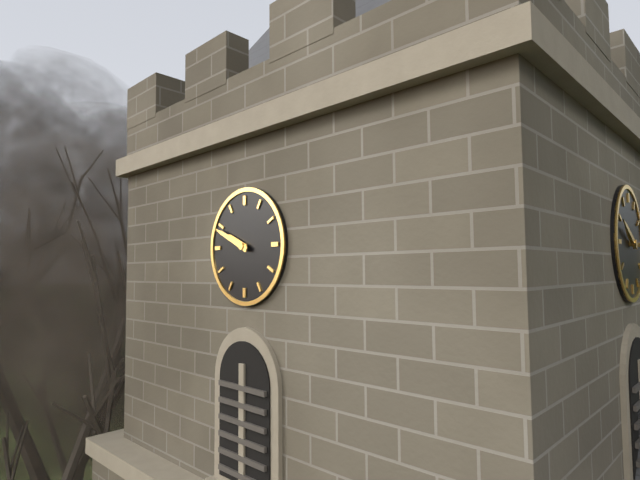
9.49
